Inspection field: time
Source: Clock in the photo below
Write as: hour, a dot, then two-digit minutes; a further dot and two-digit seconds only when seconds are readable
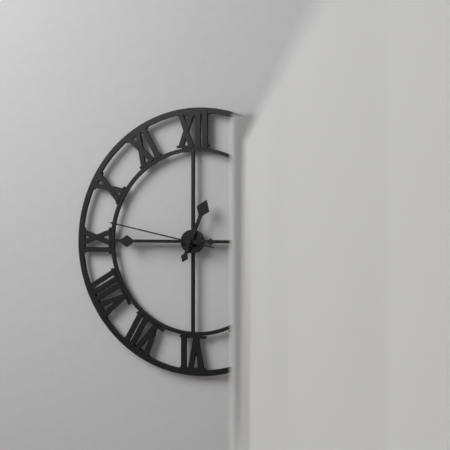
12.45.47
